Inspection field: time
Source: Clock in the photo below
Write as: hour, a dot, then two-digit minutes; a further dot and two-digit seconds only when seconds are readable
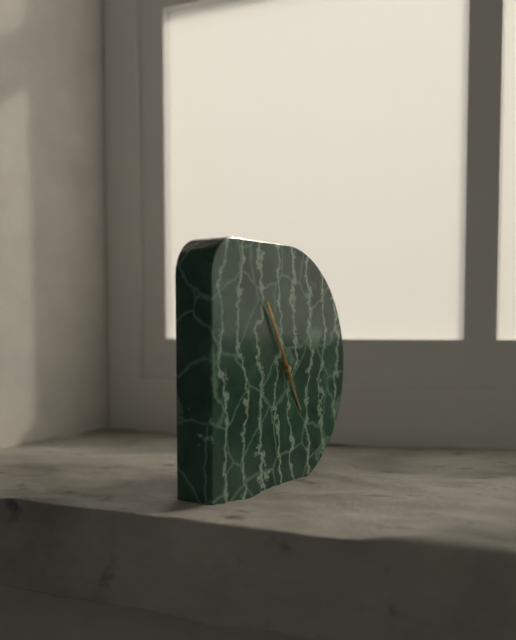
4.55.55
